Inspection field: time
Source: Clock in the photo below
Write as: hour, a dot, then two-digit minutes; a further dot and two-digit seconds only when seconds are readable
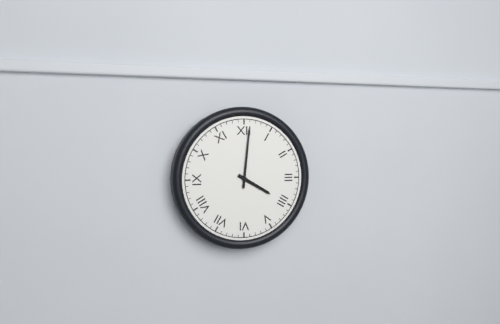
4.01
